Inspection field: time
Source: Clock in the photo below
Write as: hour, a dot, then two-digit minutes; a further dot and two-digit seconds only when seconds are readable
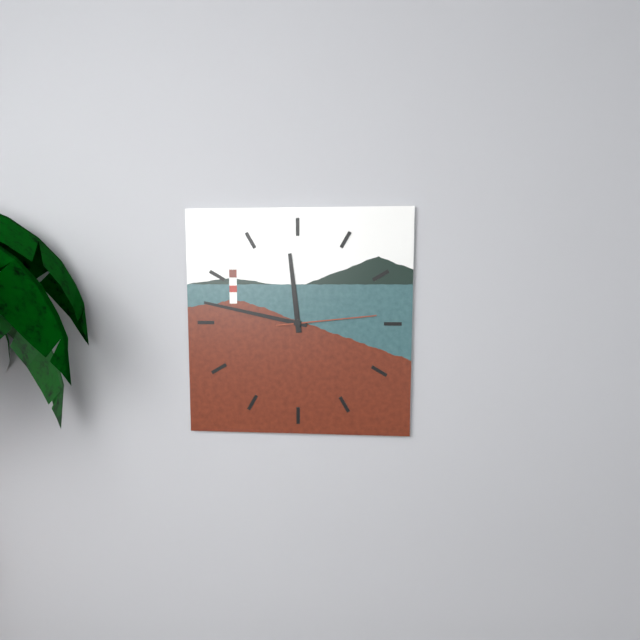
11.47.14
